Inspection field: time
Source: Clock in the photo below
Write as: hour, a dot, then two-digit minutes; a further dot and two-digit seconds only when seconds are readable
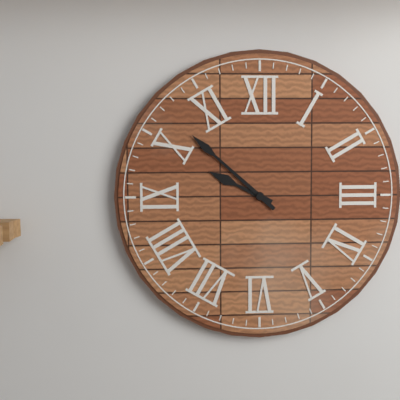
9.52
